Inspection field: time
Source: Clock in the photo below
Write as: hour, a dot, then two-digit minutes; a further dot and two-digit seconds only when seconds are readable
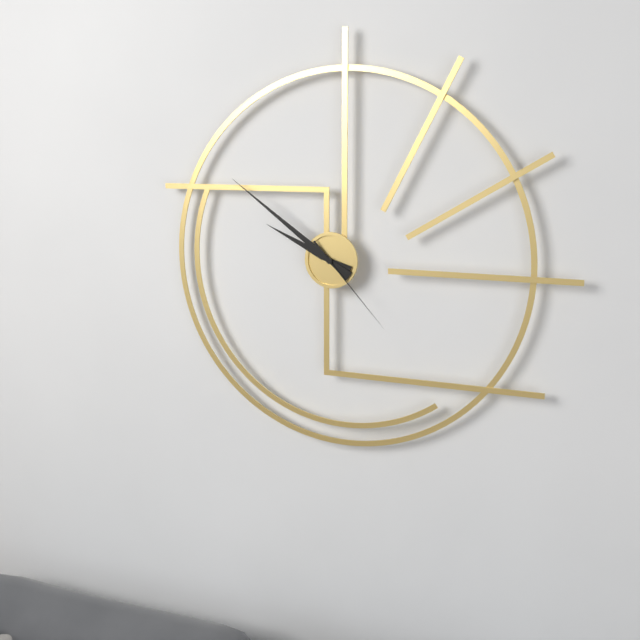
9.51.23
